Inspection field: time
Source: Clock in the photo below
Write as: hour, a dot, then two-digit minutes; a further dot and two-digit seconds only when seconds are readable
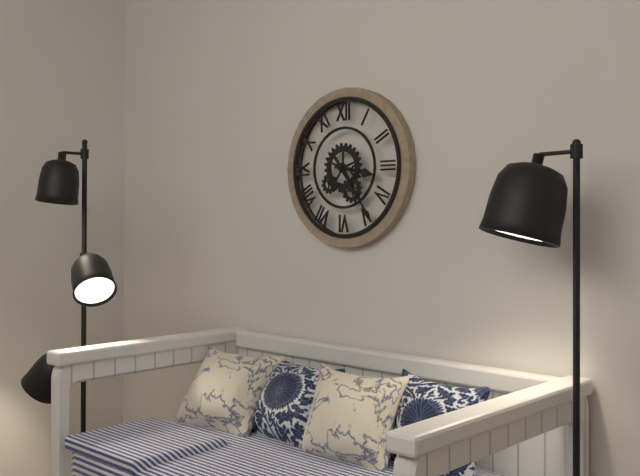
3.24
